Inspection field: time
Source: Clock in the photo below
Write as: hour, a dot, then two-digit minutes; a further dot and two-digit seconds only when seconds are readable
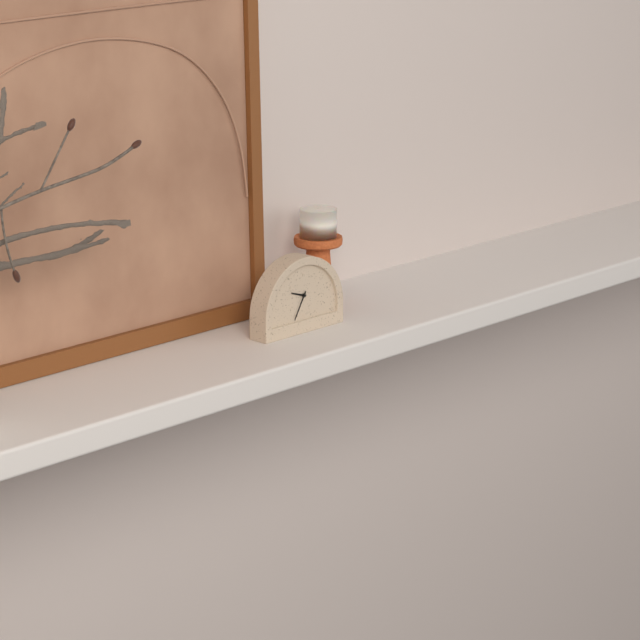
9.35
